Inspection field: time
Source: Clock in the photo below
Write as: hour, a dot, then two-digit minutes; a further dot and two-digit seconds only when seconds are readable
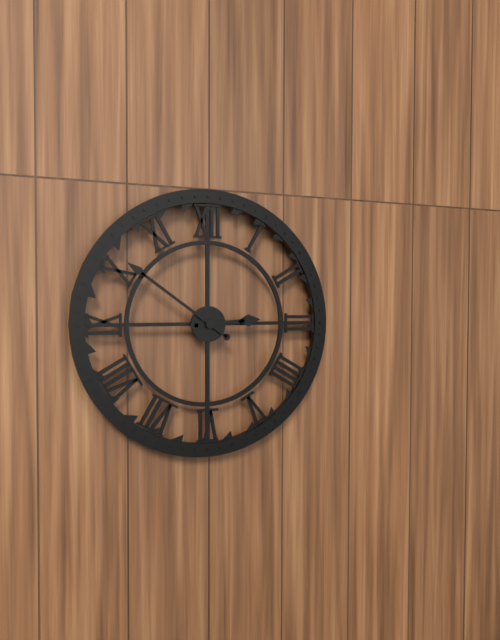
2.51
